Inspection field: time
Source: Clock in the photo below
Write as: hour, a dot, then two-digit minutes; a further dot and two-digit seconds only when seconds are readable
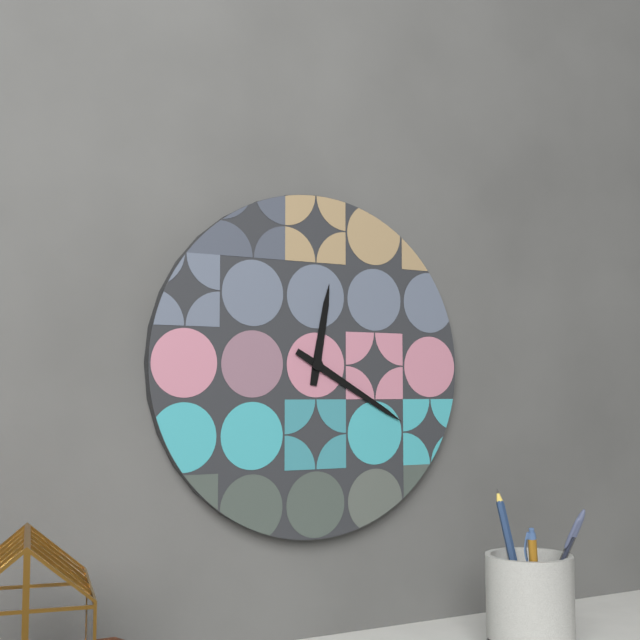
12.20
